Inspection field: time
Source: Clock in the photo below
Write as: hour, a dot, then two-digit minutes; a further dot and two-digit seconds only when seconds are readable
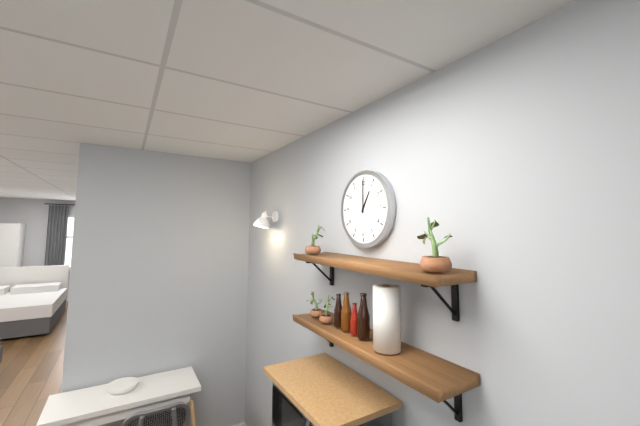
1.00
